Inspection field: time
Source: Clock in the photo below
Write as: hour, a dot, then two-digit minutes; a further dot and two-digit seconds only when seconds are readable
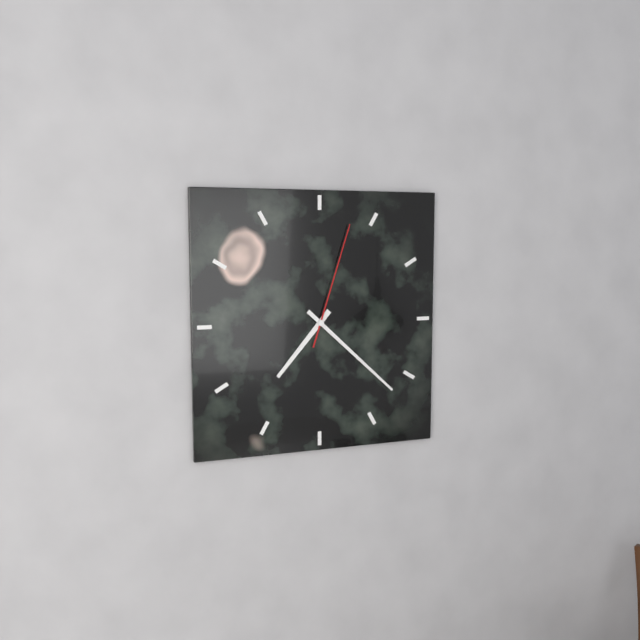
7.22.03
